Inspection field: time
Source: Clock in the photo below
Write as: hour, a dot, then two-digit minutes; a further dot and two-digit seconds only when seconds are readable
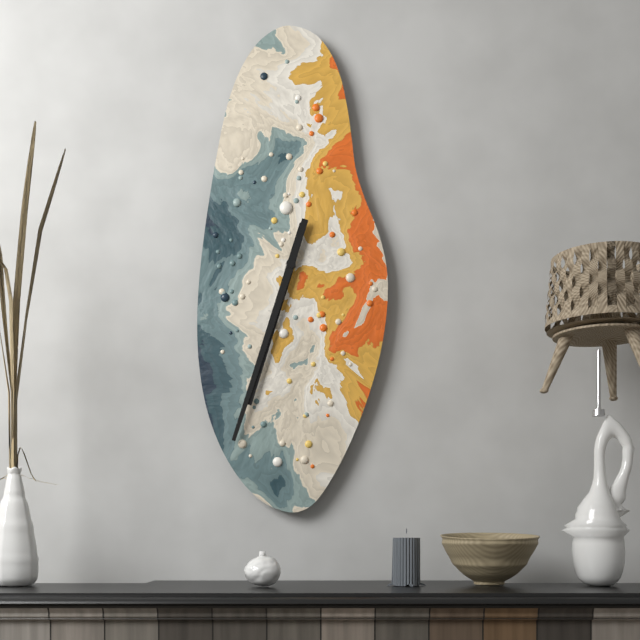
6.33
